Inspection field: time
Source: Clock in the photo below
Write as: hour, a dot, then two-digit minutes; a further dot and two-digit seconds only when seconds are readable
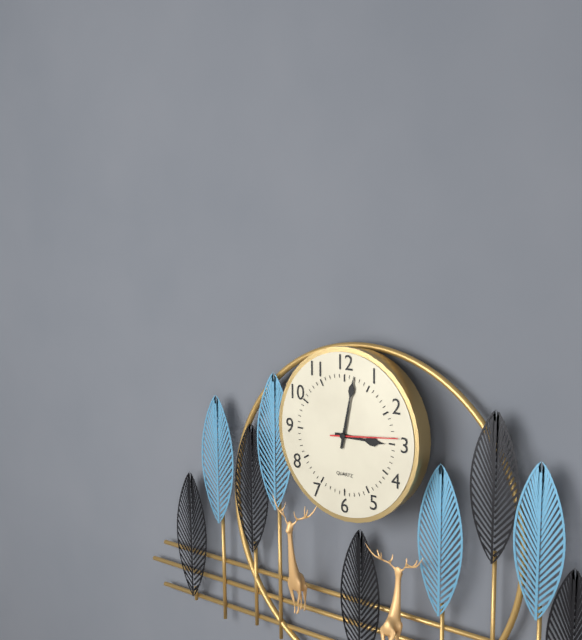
3.02.14
